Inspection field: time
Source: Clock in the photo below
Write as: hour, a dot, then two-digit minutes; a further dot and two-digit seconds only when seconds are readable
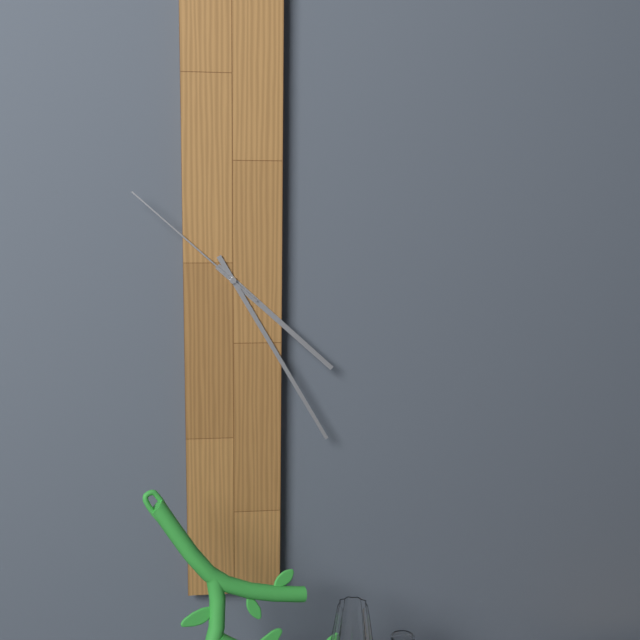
4.25.52
